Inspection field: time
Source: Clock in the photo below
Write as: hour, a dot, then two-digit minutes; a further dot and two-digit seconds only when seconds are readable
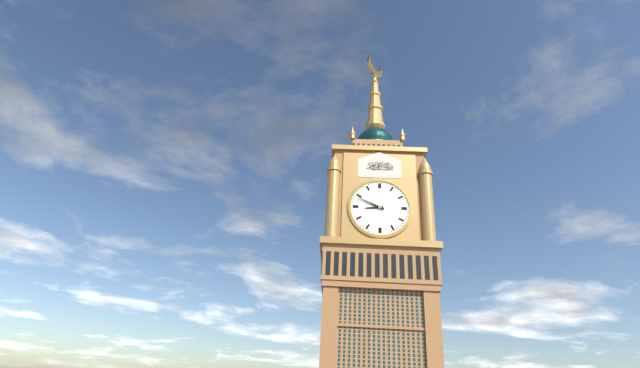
8.49
